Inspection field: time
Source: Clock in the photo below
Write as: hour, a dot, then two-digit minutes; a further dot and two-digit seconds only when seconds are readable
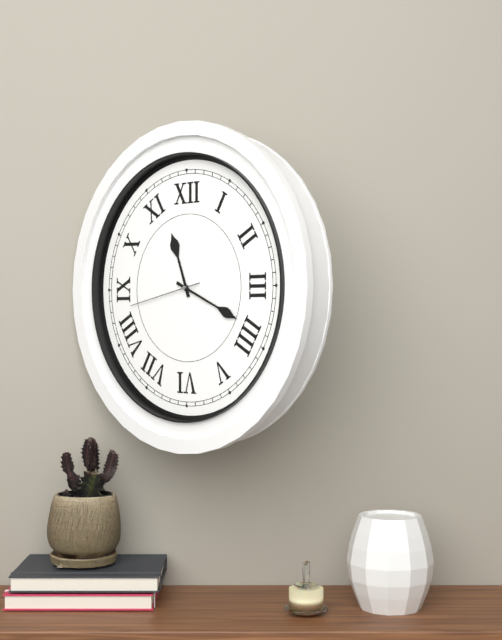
11.19.43
